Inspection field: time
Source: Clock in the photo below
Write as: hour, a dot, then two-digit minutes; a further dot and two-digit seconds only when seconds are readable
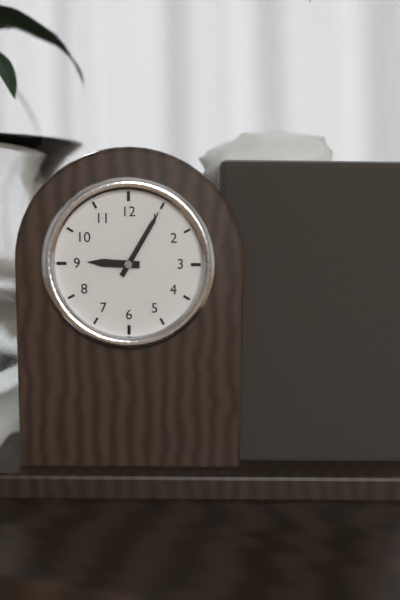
9.05
